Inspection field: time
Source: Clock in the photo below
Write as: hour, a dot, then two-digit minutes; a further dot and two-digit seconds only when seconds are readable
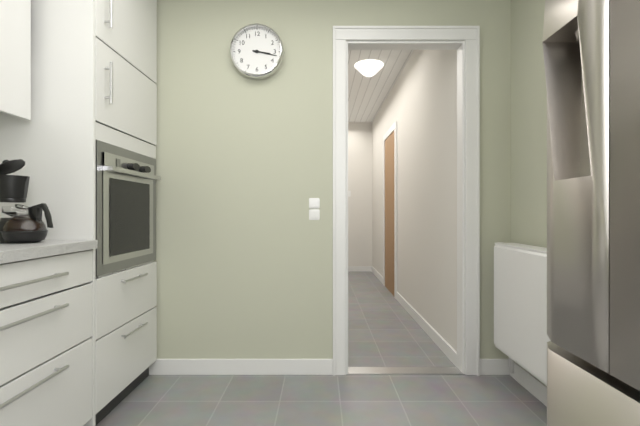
3.17
